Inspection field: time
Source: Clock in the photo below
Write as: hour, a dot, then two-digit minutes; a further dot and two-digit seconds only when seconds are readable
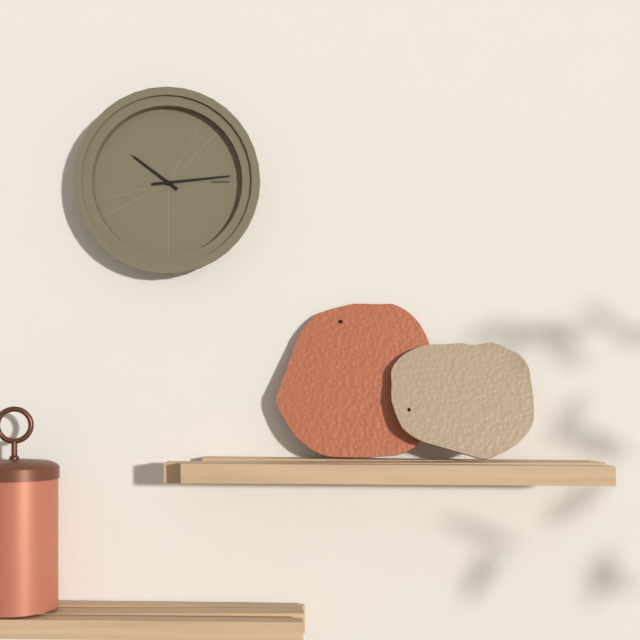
10.14
